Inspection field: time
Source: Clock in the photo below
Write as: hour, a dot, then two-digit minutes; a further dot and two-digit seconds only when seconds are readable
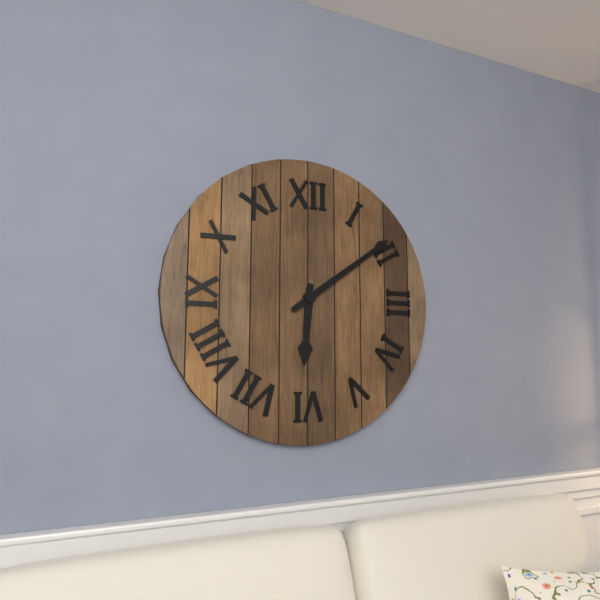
6.09
